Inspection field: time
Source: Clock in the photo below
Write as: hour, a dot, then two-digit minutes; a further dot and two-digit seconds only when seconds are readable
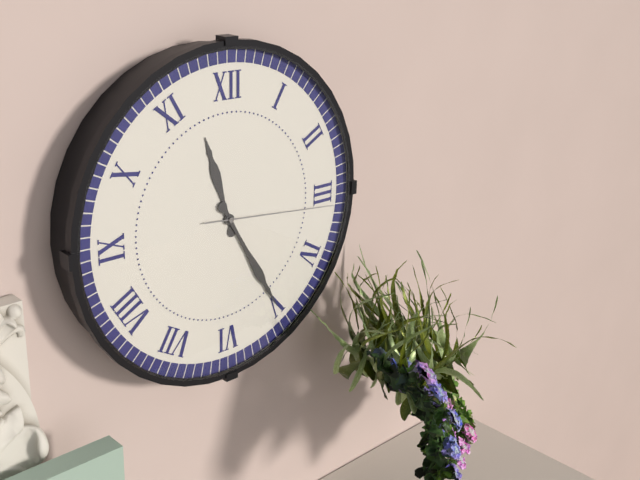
11.25.16
